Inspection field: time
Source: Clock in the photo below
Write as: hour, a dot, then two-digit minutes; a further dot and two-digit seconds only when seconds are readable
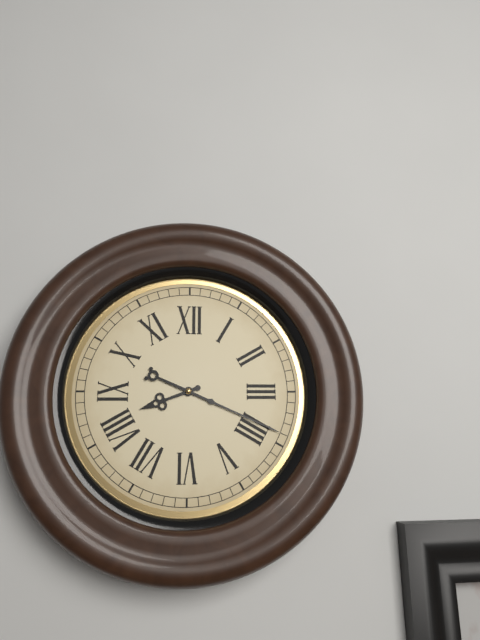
8.19
